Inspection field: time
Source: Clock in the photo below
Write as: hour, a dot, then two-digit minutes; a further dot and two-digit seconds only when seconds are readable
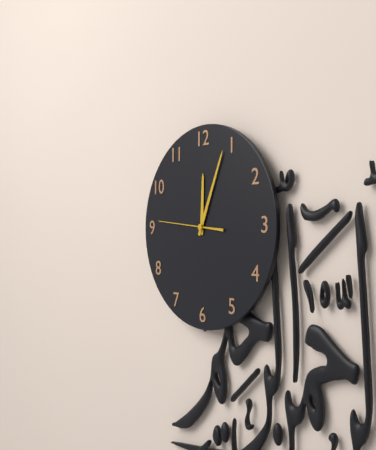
12.04.46
